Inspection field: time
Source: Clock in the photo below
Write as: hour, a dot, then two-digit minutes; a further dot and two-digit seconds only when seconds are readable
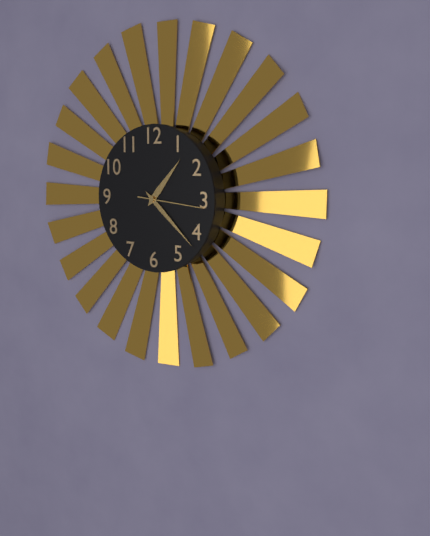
1.22.16
